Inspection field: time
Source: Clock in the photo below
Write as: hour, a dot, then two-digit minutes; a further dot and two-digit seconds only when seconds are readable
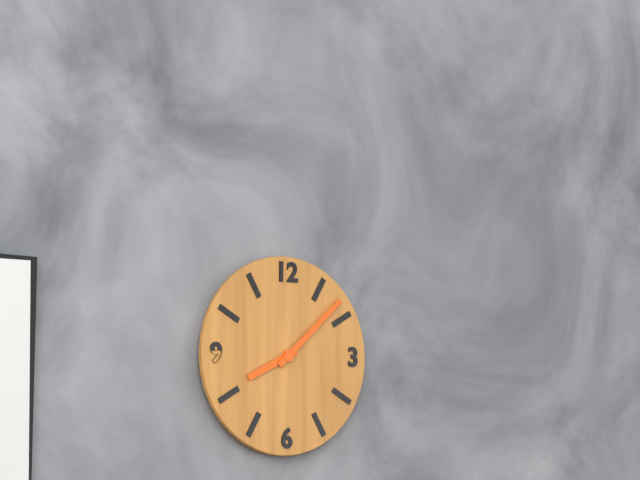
8.08
